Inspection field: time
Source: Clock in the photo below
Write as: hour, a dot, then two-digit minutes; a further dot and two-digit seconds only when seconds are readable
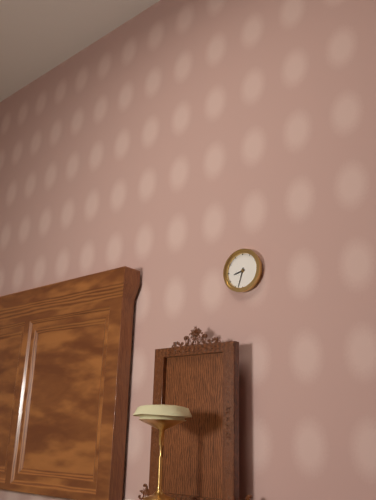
8.33
